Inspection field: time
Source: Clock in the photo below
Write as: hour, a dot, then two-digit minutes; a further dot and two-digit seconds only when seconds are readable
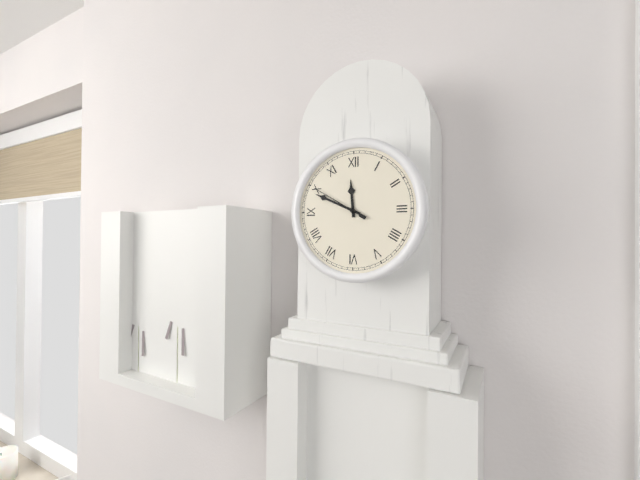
11.49.50
